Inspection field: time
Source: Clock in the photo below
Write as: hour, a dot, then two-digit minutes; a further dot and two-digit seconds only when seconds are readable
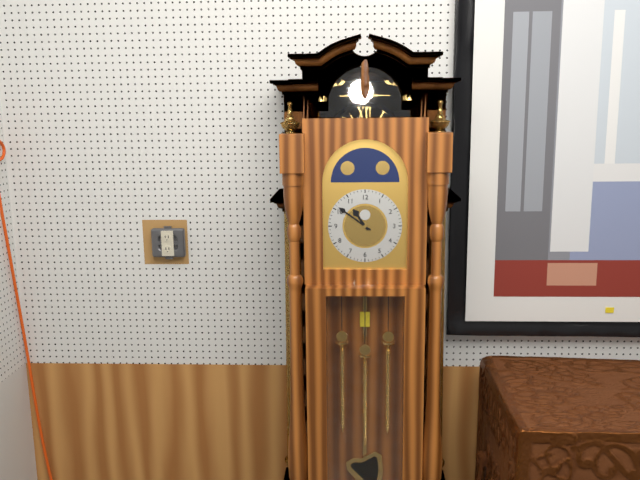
10.51
